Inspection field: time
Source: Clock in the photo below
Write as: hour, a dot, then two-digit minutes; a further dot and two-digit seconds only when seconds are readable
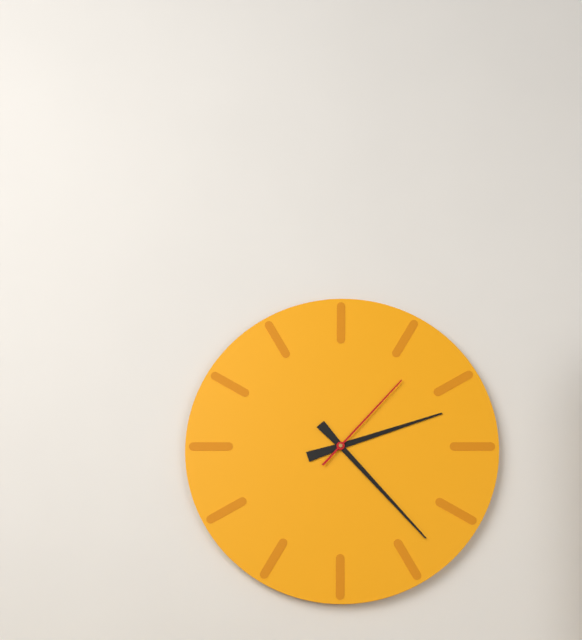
2.23.07
